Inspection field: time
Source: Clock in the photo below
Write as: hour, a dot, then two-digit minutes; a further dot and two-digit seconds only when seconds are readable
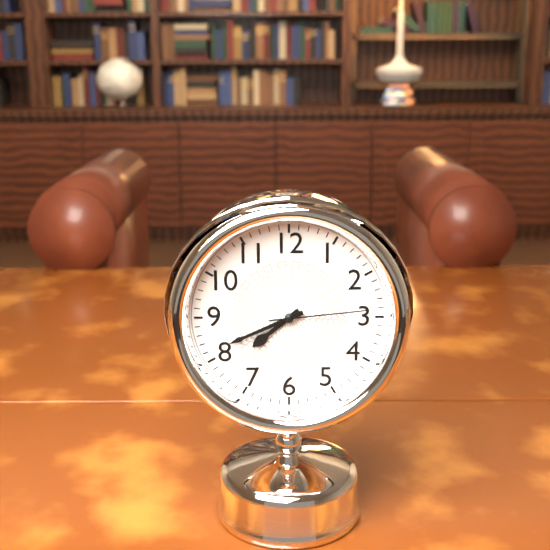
7.41.14
